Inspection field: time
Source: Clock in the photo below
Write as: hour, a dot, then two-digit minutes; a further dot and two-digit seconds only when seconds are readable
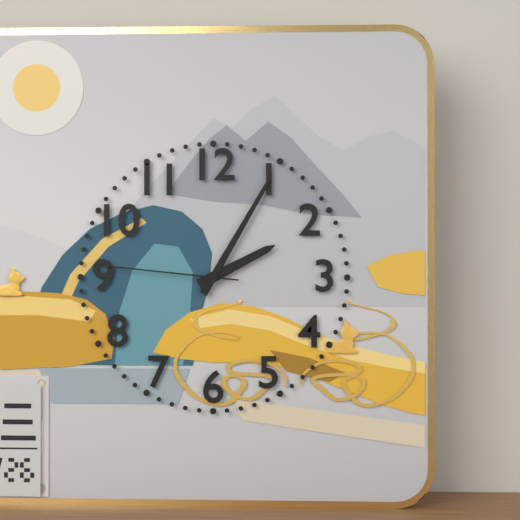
2.05.46
